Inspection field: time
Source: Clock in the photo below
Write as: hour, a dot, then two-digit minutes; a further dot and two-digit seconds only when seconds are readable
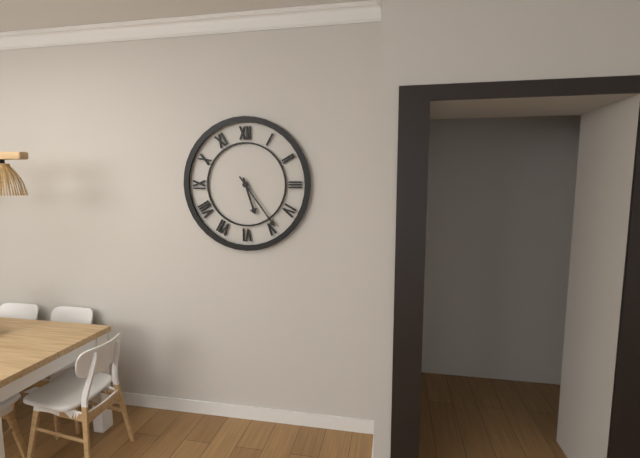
5.24
